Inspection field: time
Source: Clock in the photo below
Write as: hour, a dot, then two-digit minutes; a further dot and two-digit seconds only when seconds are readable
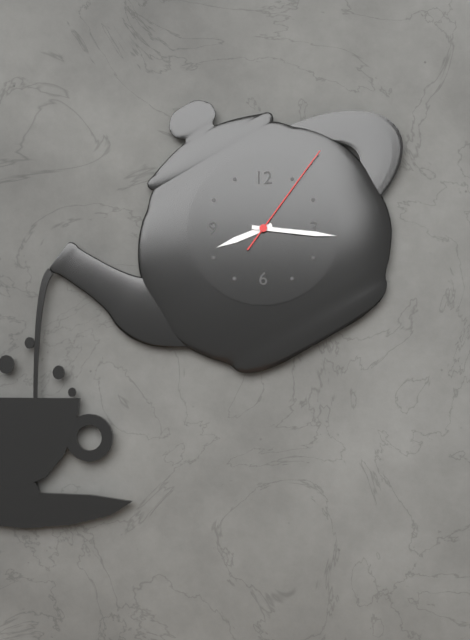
8.16.06
